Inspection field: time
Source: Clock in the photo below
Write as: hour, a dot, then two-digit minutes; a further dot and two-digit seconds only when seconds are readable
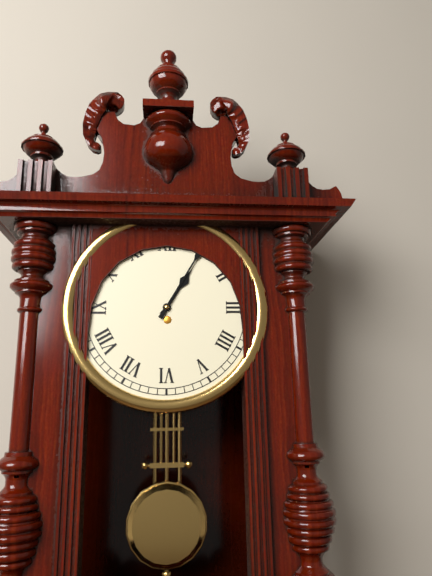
1.05
